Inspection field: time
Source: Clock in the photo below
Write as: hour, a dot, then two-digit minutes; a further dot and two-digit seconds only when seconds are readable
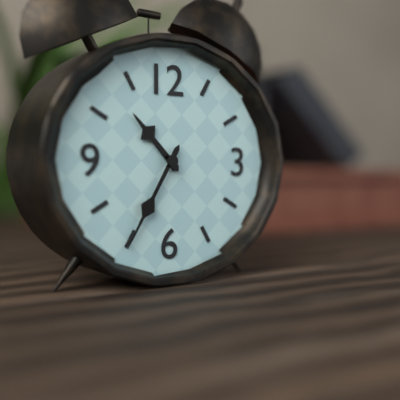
10.35
